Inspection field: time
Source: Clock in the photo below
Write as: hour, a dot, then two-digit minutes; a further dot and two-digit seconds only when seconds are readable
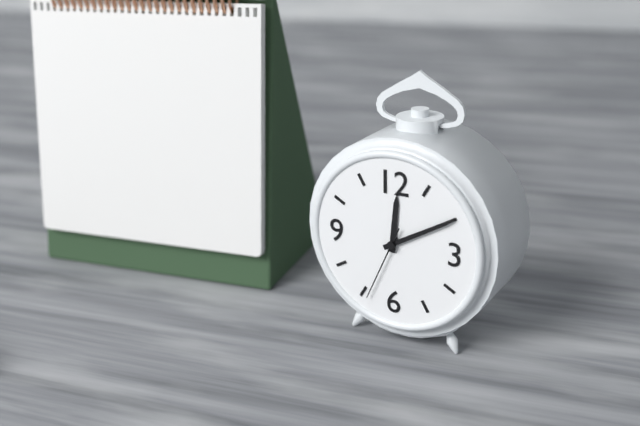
12.10.34
